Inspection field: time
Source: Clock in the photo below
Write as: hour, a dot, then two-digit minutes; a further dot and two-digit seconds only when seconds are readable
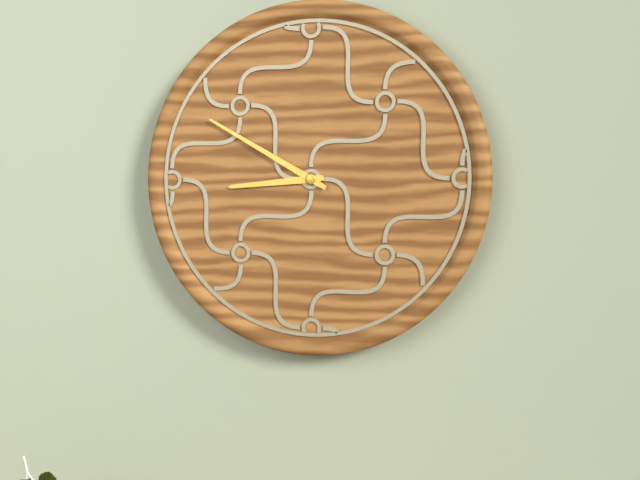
8.50
